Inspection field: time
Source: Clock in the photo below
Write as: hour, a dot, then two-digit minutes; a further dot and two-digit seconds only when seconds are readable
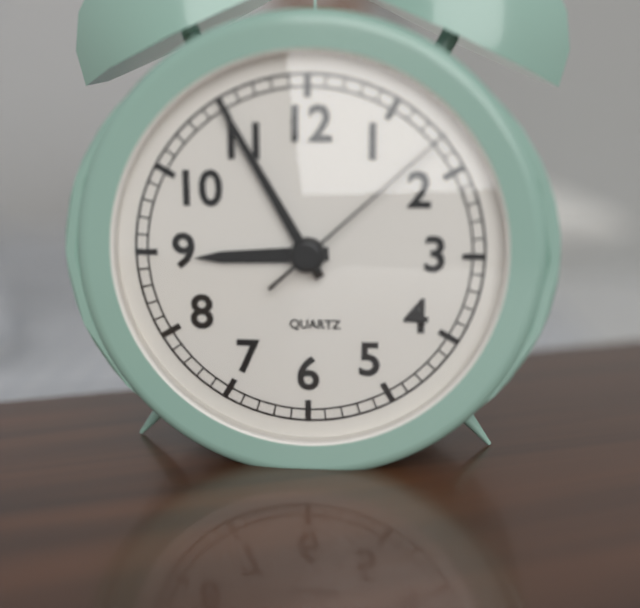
8.55.08
